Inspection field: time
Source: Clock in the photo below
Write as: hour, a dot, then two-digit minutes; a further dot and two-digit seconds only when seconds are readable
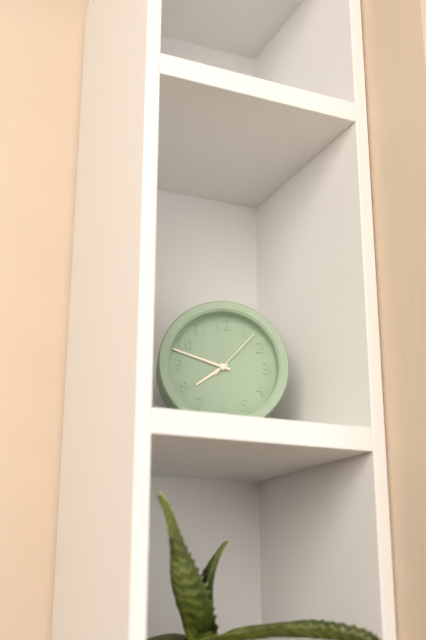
7.48.07
